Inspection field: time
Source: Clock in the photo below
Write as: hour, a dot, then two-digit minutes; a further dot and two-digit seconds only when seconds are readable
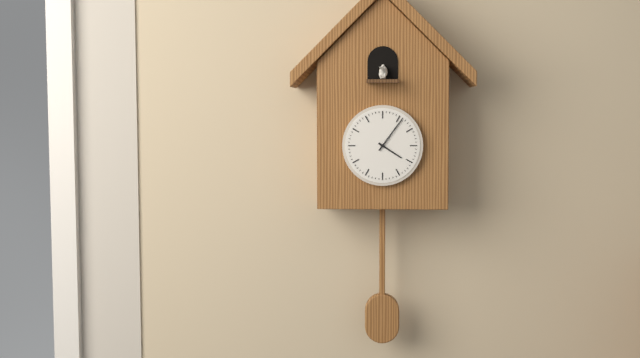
4.06
